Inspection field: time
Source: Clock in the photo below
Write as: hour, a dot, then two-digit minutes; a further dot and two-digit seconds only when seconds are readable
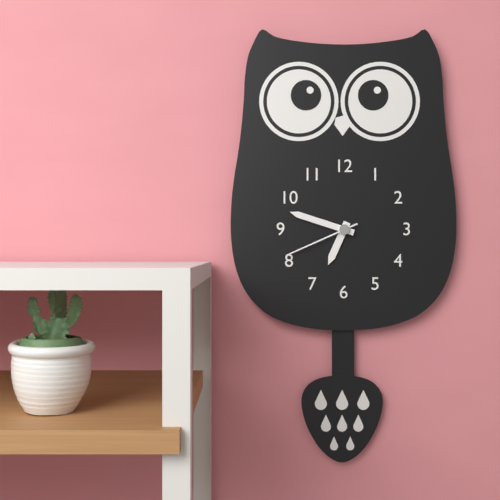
6.48.41
